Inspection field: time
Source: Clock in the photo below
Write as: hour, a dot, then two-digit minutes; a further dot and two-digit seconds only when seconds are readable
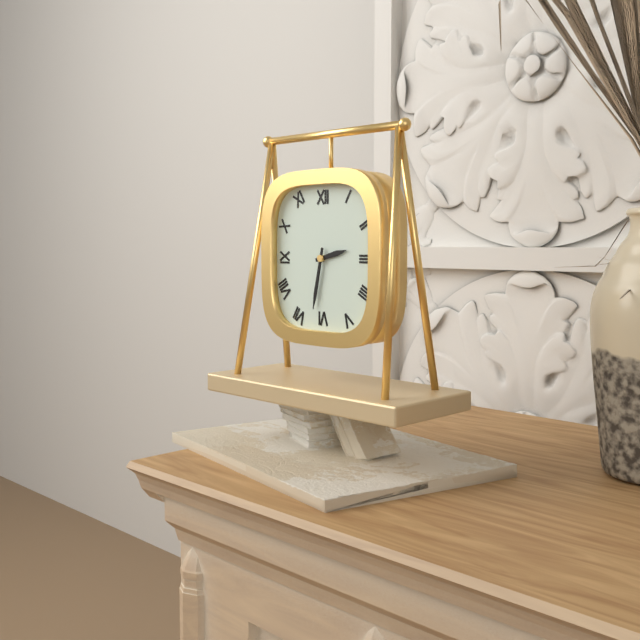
2.32
